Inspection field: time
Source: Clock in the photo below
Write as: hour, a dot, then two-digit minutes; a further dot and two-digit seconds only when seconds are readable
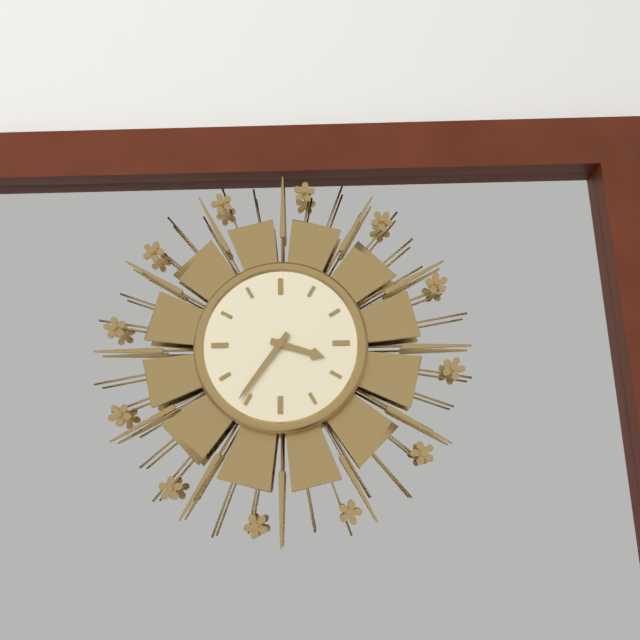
3.36
